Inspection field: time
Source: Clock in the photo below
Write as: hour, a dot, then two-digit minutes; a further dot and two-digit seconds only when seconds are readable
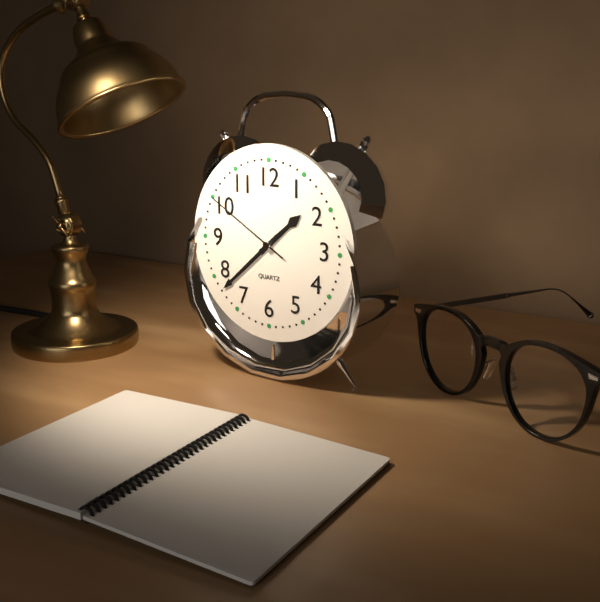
1.38.50
